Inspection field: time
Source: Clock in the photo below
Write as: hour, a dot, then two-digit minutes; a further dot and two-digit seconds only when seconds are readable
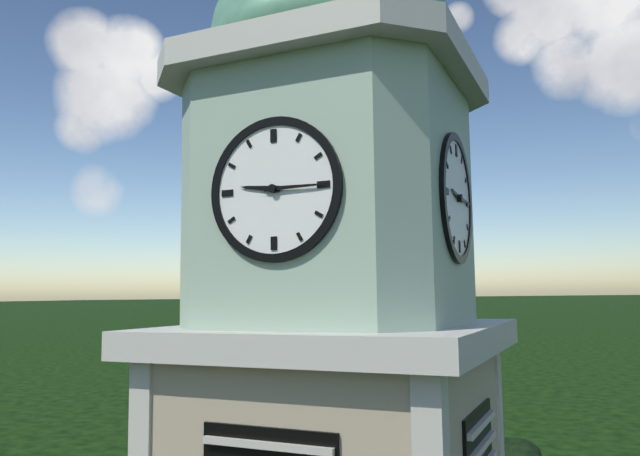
9.15
